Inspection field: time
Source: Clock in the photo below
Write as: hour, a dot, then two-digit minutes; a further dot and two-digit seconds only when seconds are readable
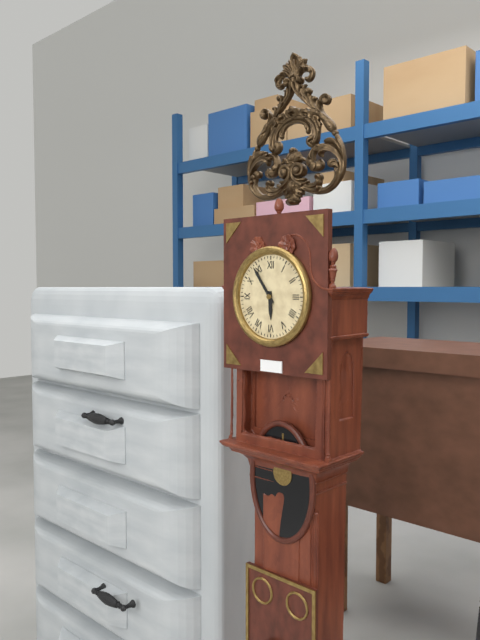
5.54
